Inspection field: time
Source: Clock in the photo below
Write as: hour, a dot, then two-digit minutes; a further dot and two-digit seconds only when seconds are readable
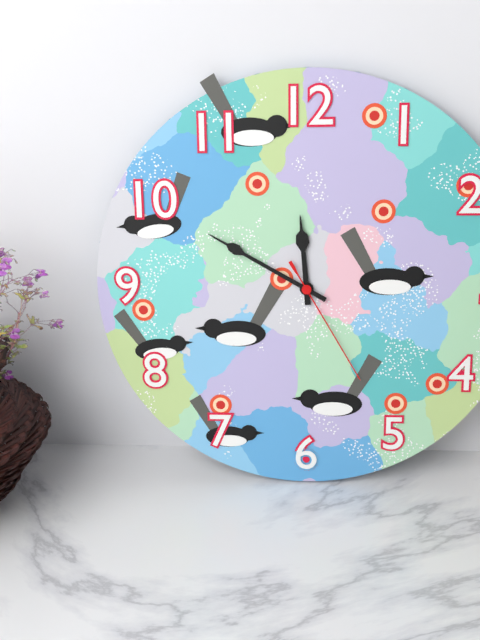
11.50.25
